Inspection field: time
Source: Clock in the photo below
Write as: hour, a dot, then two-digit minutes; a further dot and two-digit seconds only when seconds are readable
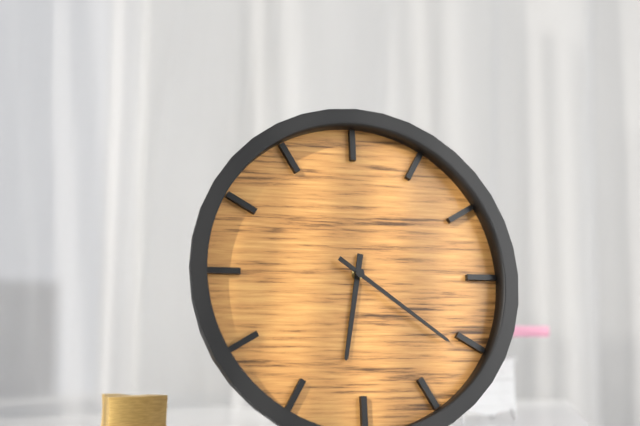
6.21
